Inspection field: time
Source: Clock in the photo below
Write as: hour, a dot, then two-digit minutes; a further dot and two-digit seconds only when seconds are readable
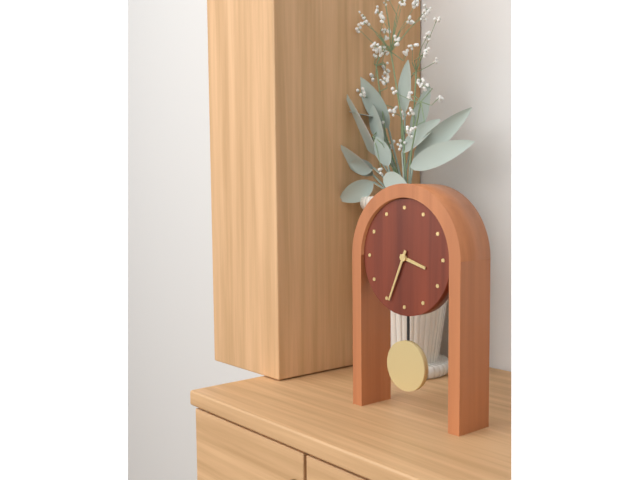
3.34
